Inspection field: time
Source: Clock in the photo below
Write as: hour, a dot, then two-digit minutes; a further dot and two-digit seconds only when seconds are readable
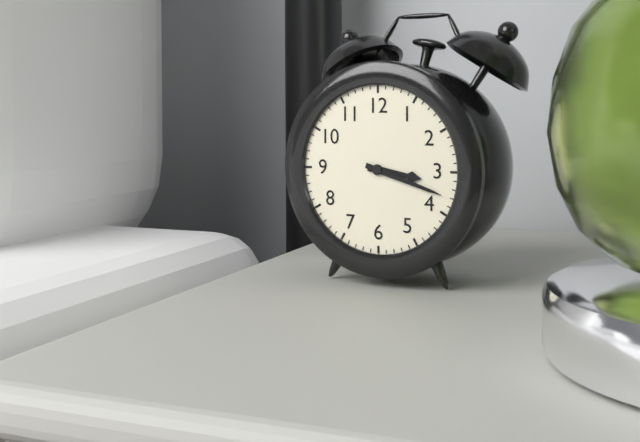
3.18
